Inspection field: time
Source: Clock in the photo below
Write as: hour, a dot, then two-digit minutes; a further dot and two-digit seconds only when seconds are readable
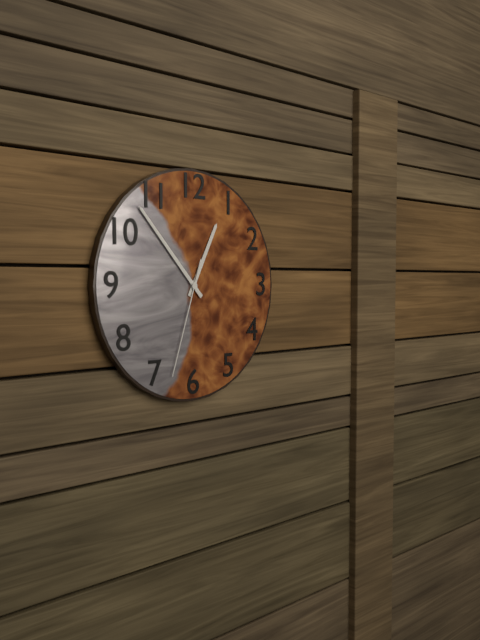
12.53.33
